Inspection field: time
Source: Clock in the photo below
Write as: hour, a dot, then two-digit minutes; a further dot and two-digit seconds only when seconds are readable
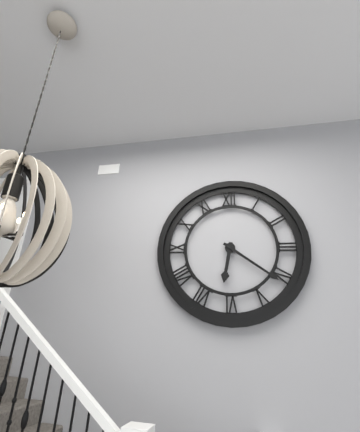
6.21
